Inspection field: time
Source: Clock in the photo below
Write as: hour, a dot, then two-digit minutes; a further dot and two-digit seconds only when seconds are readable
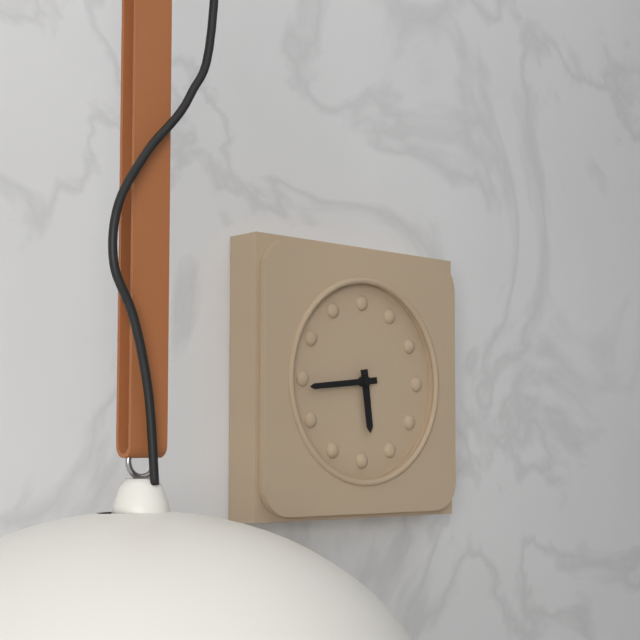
5.44
